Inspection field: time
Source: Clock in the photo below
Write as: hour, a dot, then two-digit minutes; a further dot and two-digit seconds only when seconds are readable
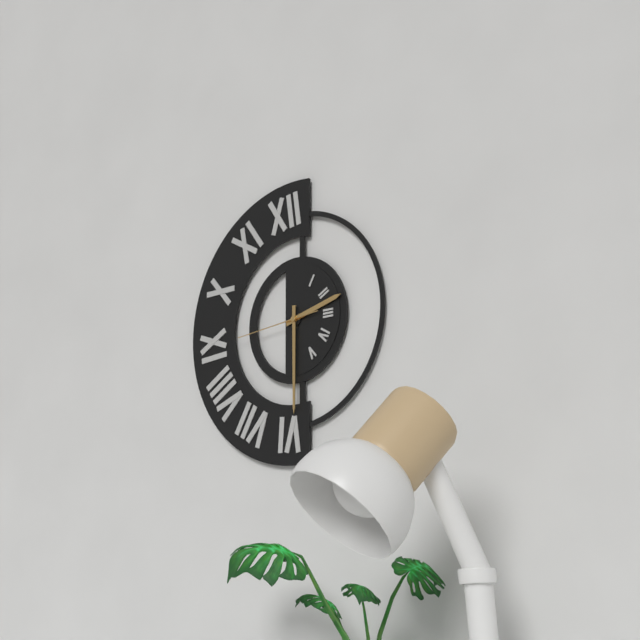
2.30.44
